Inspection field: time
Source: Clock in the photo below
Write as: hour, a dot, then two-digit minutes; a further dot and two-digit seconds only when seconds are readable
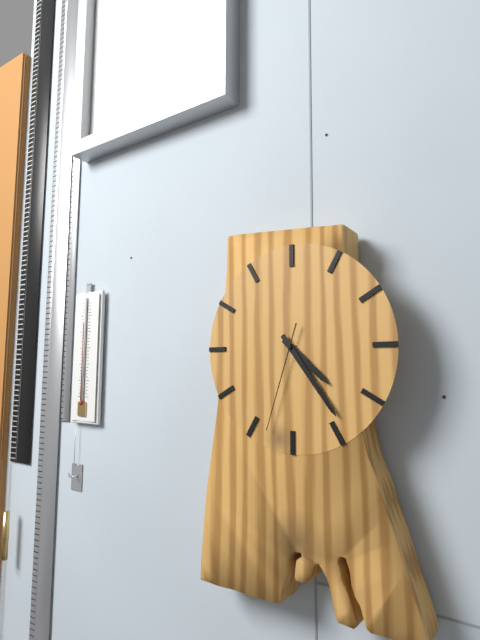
4.24.33
